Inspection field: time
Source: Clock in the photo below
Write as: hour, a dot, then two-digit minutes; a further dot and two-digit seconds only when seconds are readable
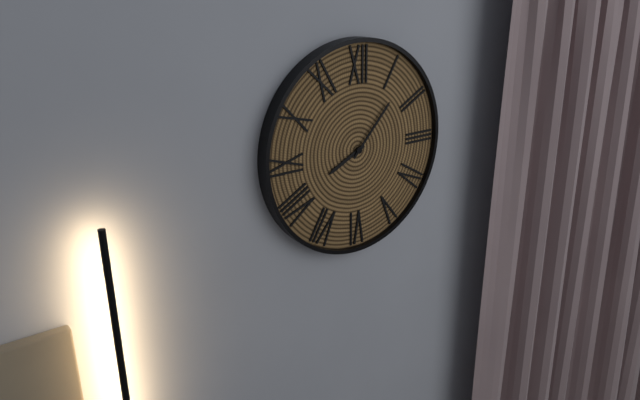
8.07
